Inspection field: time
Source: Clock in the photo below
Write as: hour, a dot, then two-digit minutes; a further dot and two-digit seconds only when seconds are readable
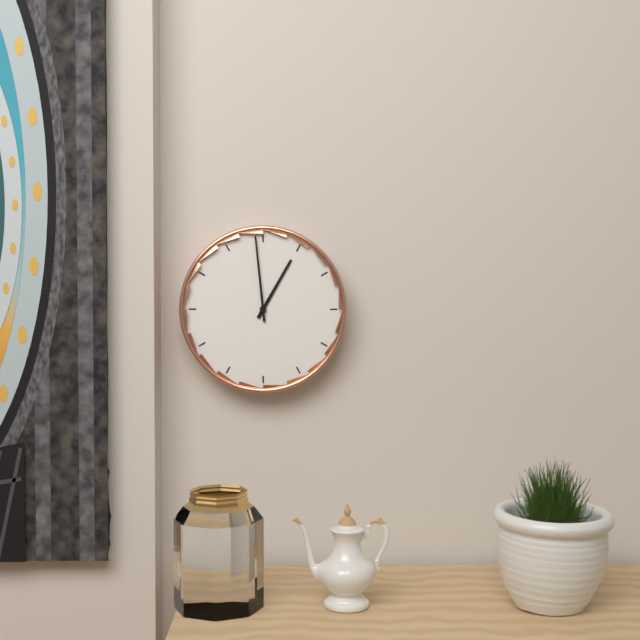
12.59
